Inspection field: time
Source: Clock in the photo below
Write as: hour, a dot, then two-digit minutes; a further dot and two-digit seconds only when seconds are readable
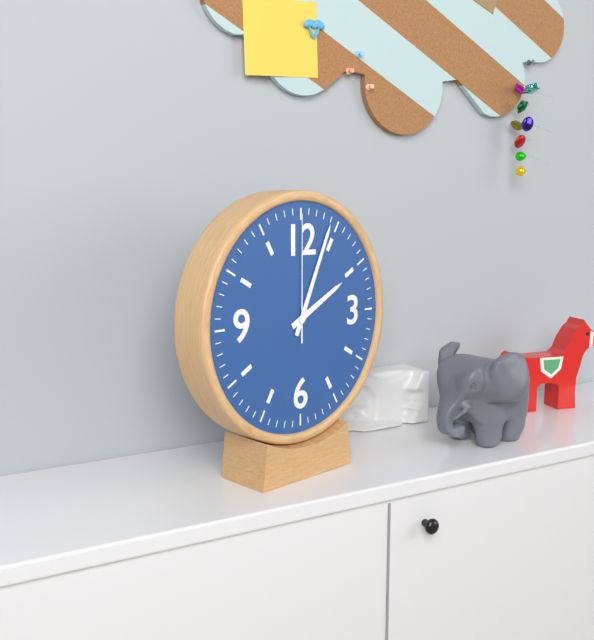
2.04.00
